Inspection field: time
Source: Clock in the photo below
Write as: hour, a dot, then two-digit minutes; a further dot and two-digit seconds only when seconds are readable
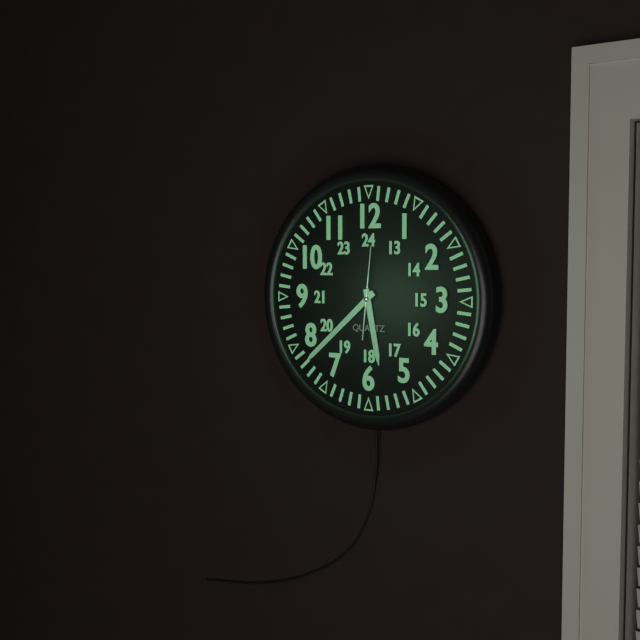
5.38.01
